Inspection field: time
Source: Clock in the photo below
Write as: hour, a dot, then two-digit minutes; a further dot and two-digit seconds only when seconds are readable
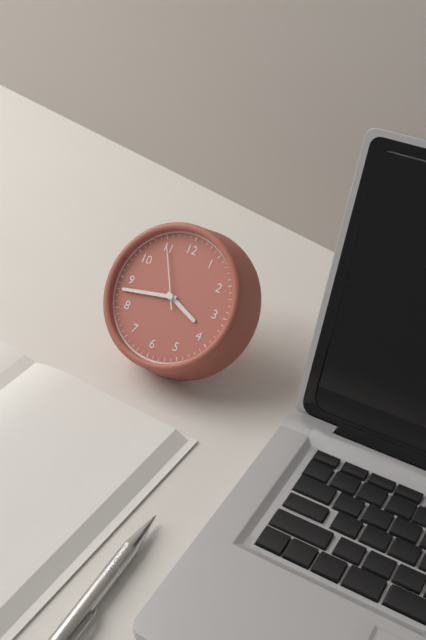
3.43.55
